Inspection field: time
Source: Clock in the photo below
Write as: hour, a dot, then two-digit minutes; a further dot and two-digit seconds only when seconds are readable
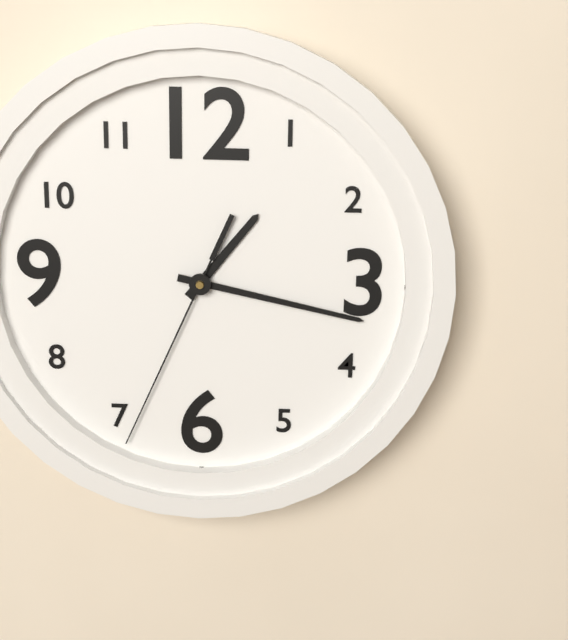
1.17.34
